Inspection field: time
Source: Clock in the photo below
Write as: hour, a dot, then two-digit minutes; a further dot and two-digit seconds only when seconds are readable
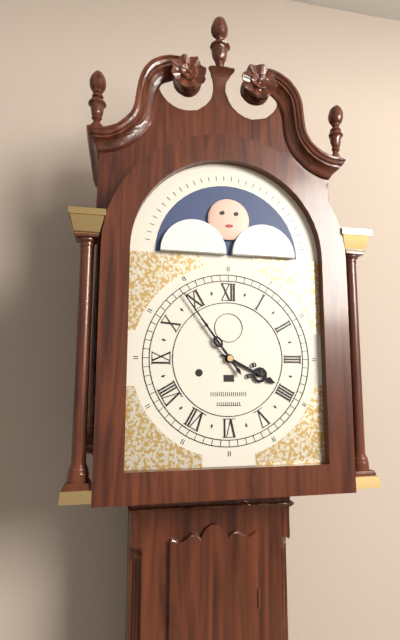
3.54
